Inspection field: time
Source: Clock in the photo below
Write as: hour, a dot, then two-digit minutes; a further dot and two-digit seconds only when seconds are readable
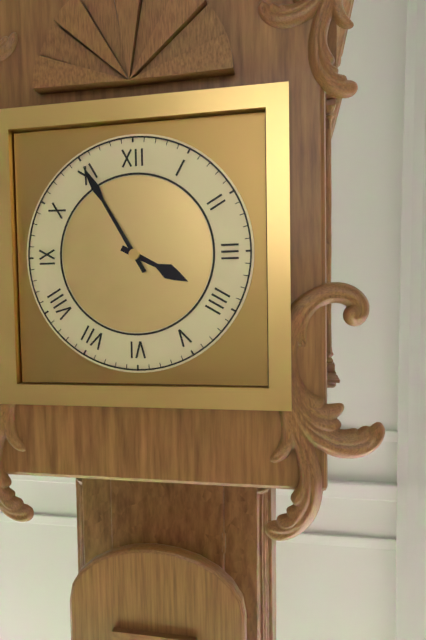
3.55
